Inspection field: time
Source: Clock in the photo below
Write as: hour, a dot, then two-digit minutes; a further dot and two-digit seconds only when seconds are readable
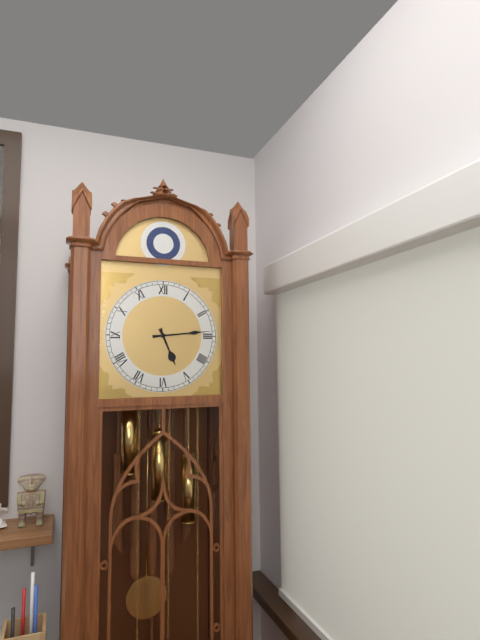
5.14
